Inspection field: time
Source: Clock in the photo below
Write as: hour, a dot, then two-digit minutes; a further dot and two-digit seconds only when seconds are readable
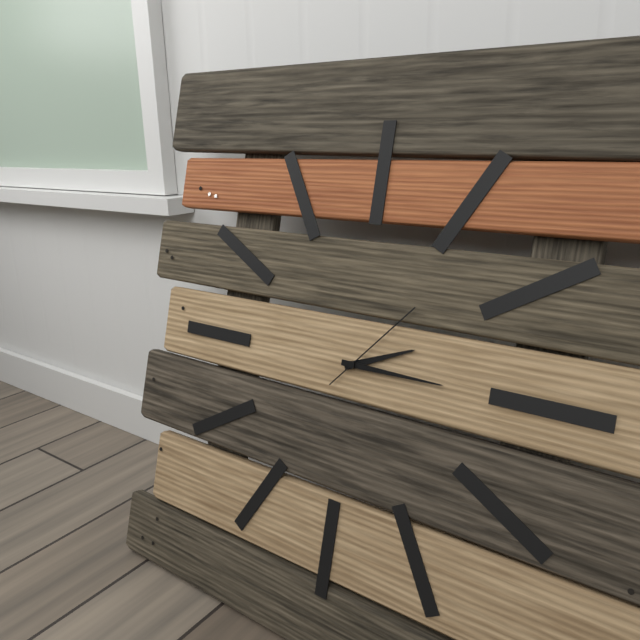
2.15.07
